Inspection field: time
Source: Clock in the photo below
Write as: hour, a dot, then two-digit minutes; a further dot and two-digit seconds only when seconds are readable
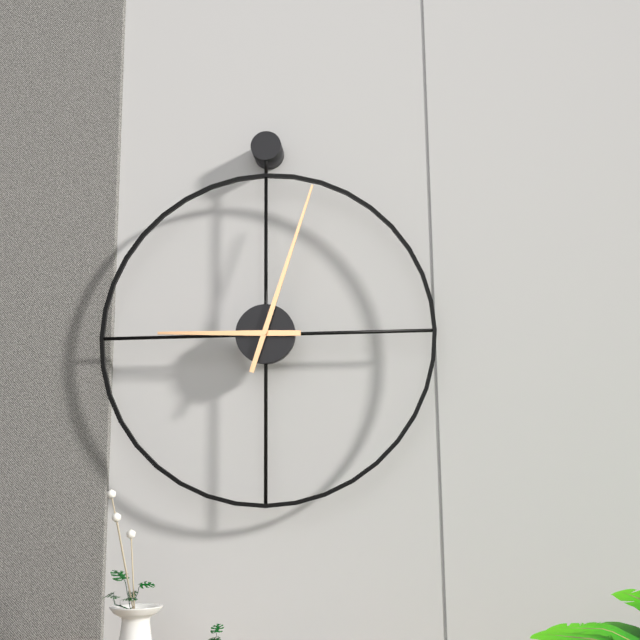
9.03
